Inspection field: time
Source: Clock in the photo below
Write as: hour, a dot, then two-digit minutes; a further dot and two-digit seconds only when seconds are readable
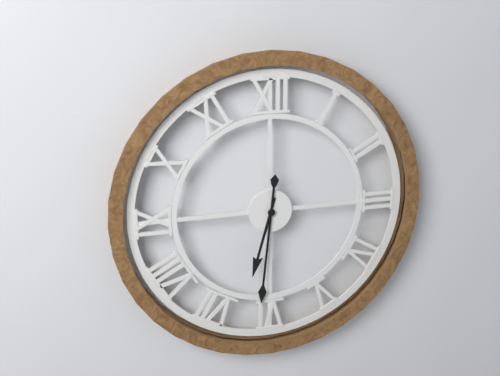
6.31
